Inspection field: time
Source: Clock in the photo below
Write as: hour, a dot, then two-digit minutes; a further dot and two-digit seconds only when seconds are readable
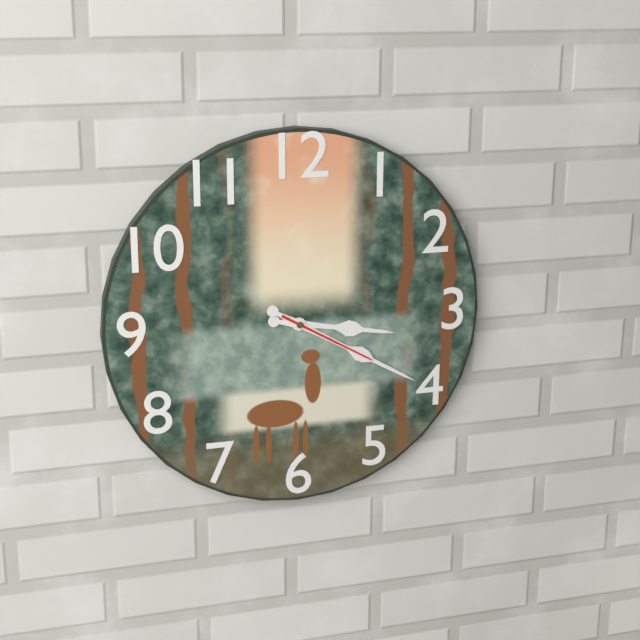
3.20.20
